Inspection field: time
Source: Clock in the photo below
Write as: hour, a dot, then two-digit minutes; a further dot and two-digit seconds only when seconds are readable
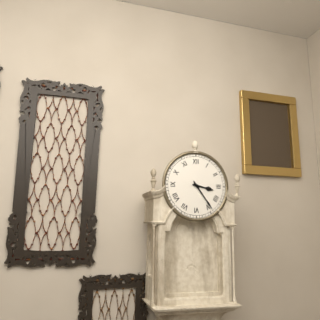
3.24
